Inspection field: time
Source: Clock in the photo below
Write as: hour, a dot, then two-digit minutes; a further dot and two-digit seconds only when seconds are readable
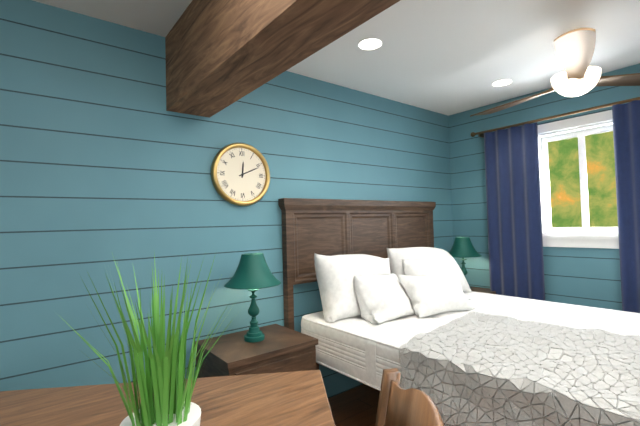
12.11
